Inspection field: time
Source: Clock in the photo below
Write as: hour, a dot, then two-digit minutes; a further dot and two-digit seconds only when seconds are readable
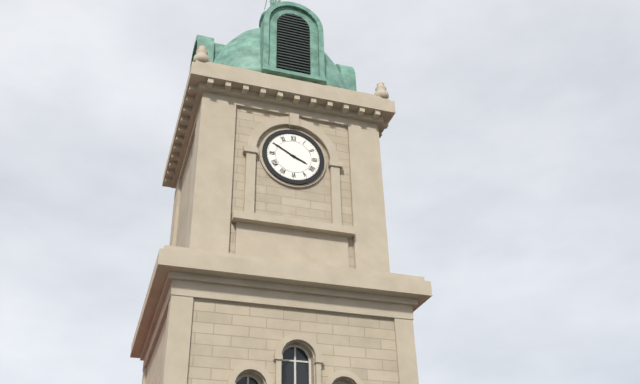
3.50
